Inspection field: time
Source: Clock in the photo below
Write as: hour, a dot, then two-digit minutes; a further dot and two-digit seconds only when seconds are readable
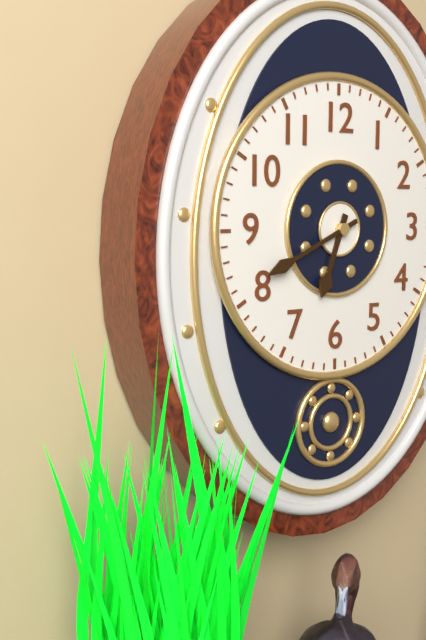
6.41
